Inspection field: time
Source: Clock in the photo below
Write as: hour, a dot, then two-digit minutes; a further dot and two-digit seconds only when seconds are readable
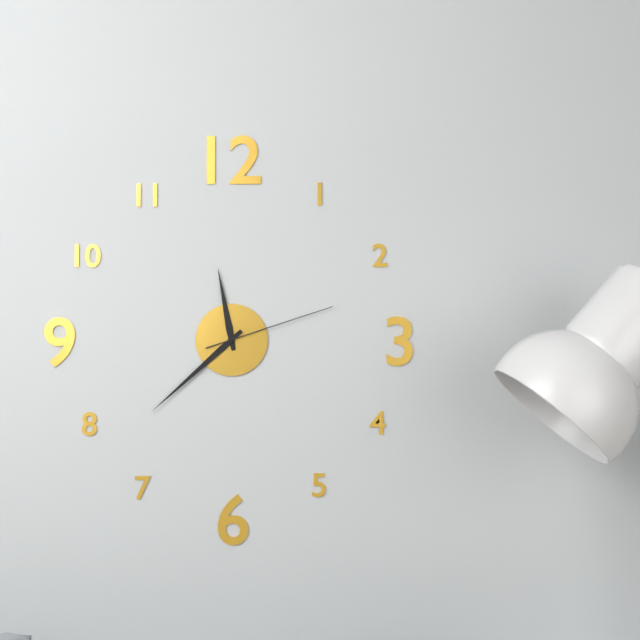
11.38.12
